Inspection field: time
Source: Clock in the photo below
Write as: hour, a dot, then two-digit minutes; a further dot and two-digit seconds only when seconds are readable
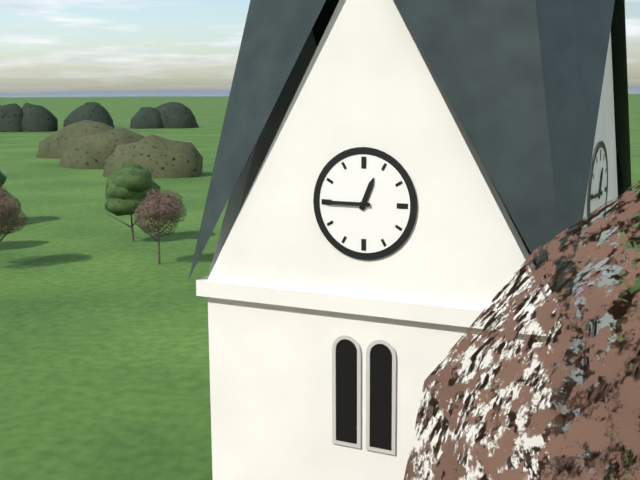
12.45
